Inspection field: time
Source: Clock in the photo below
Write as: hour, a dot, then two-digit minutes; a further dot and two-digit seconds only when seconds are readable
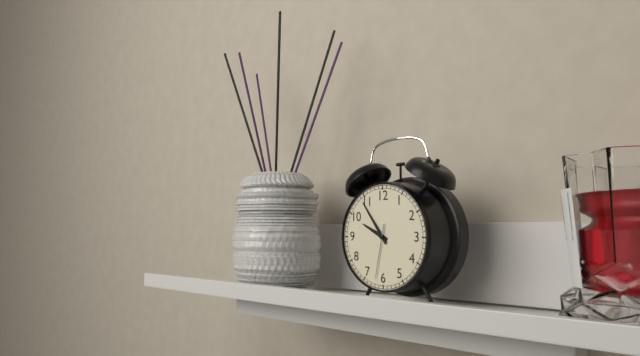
9.54.32
